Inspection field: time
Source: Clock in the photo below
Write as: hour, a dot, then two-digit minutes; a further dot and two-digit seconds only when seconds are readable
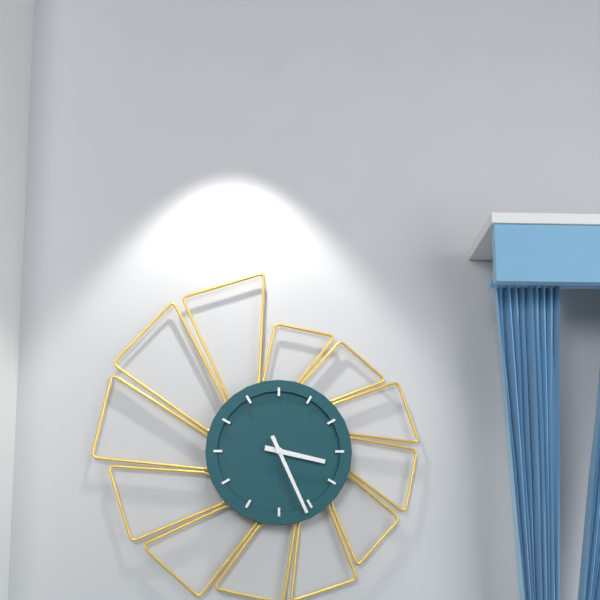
3.26
